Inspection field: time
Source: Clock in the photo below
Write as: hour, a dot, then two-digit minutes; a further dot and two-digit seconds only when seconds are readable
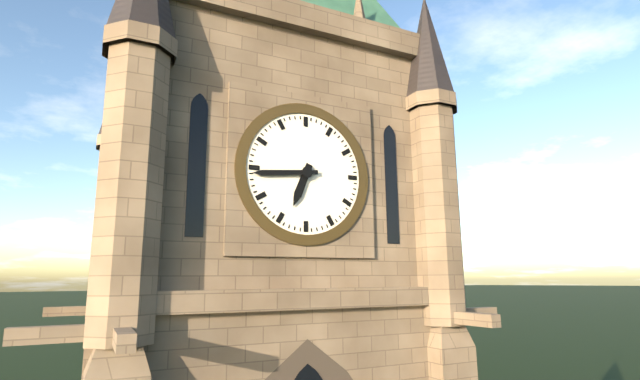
6.44
